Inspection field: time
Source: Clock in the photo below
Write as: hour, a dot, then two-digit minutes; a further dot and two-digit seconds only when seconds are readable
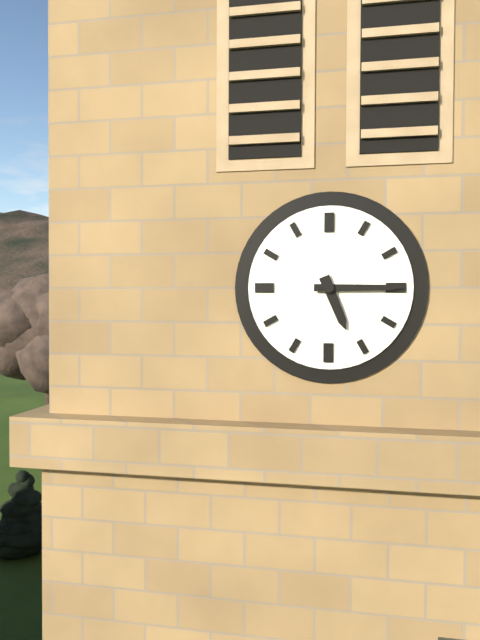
5.15
